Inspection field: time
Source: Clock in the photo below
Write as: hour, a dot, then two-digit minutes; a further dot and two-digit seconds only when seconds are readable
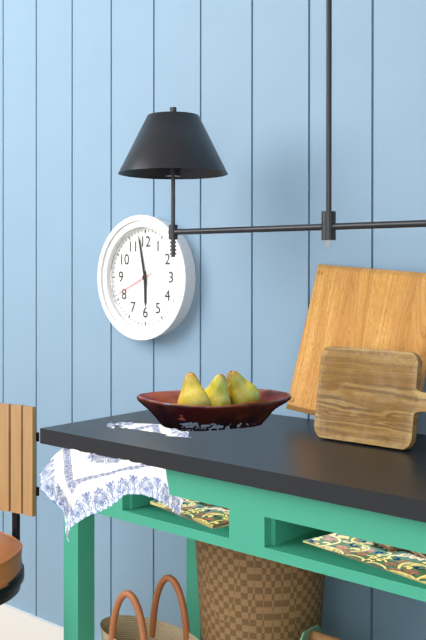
5.58
